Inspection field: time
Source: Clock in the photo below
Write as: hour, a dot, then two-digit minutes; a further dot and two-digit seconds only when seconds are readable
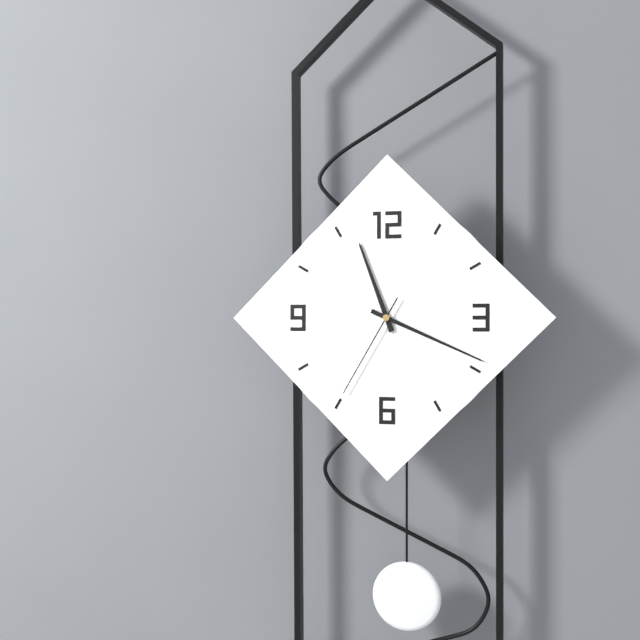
11.19.35
